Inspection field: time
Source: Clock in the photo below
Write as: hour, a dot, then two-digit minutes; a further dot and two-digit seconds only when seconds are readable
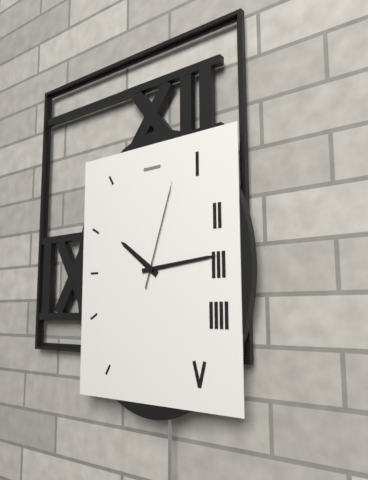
10.14.03
